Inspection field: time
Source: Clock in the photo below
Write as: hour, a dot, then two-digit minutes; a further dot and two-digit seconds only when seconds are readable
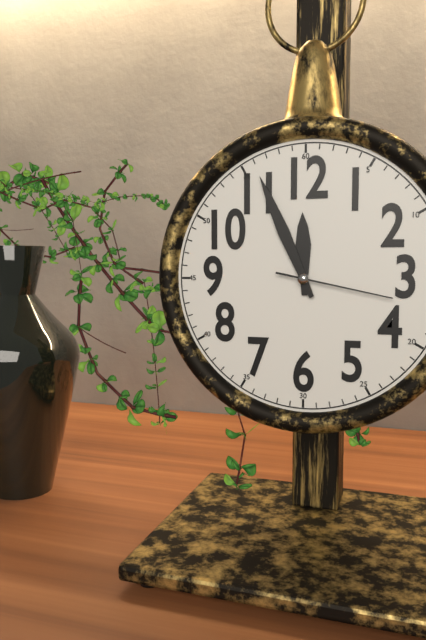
11.56.17
